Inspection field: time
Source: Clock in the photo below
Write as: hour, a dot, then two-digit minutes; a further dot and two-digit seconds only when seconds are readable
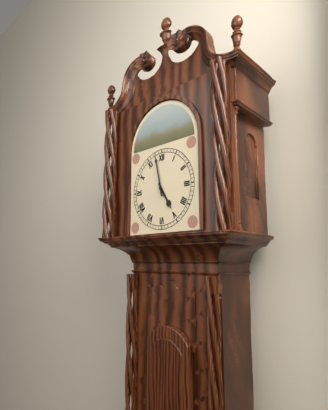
4.58
